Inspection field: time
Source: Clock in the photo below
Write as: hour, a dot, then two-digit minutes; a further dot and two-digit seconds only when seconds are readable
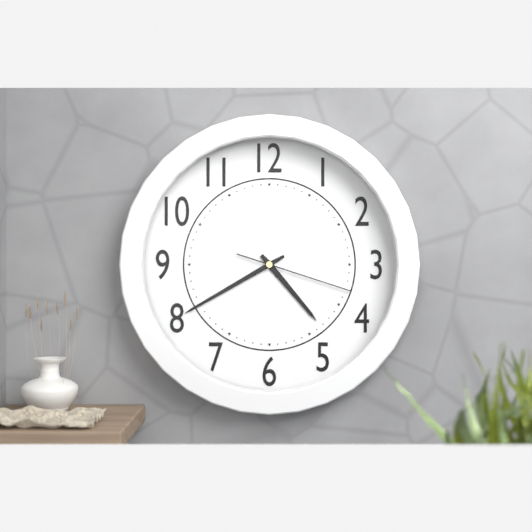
4.40.18
